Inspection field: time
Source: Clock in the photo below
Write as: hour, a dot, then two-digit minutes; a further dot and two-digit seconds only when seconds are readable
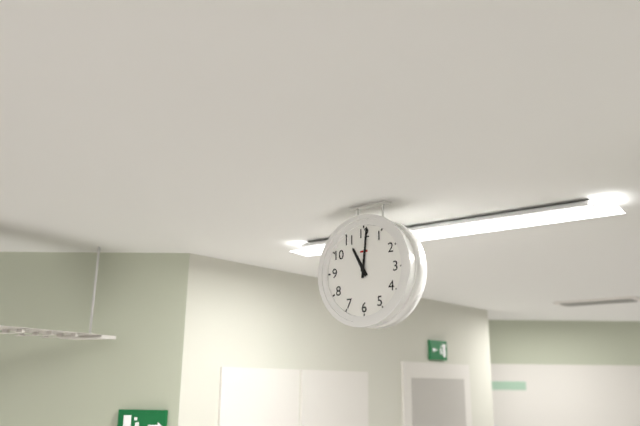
11.01
